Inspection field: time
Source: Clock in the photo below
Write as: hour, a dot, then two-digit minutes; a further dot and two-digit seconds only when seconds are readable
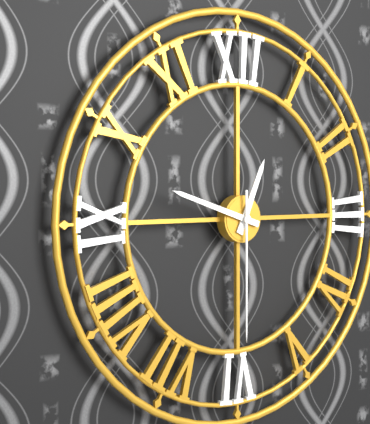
12.48.30
